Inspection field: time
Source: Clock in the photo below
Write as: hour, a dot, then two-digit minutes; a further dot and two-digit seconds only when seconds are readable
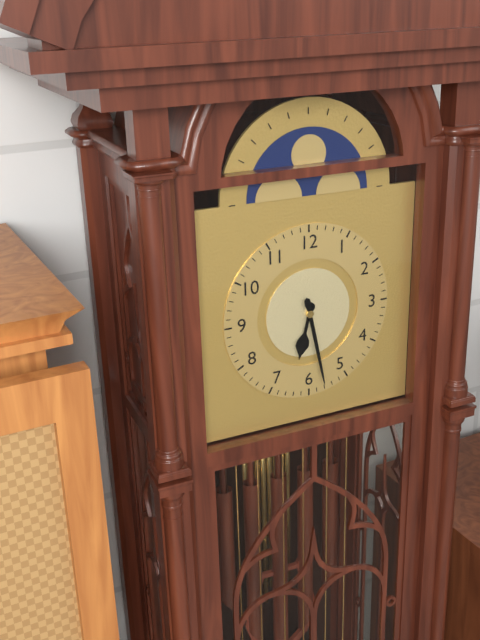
6.28
